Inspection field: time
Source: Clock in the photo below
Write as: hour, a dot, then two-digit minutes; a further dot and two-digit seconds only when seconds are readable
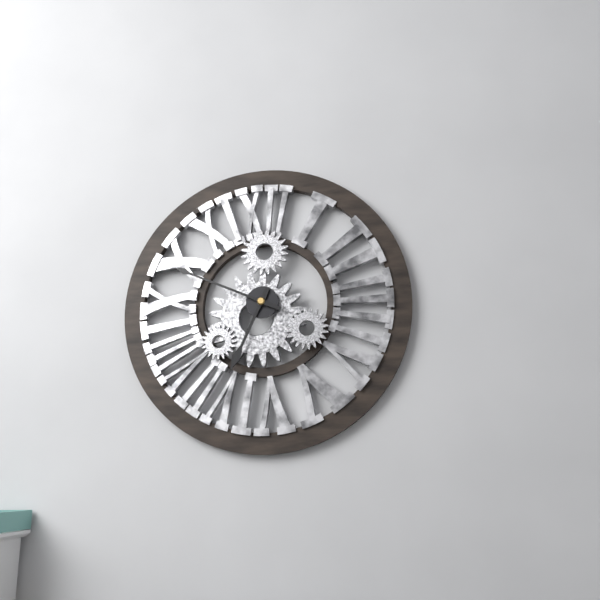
6.49
